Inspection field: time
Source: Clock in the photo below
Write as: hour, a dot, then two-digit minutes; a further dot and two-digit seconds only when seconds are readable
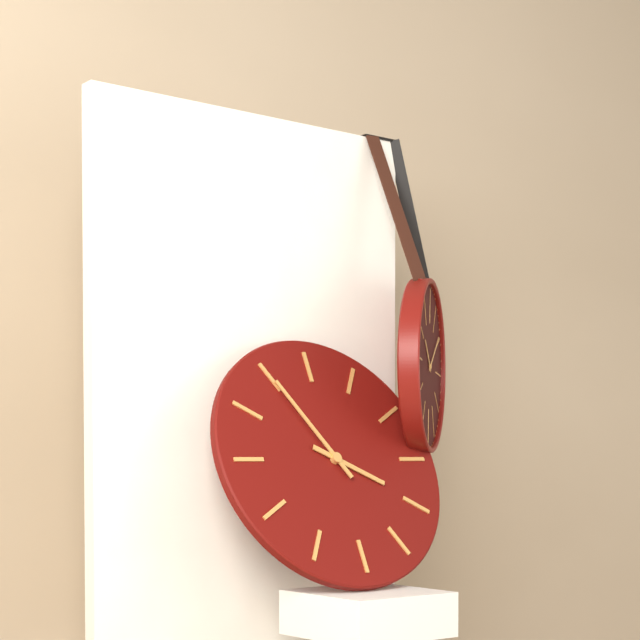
3.55
